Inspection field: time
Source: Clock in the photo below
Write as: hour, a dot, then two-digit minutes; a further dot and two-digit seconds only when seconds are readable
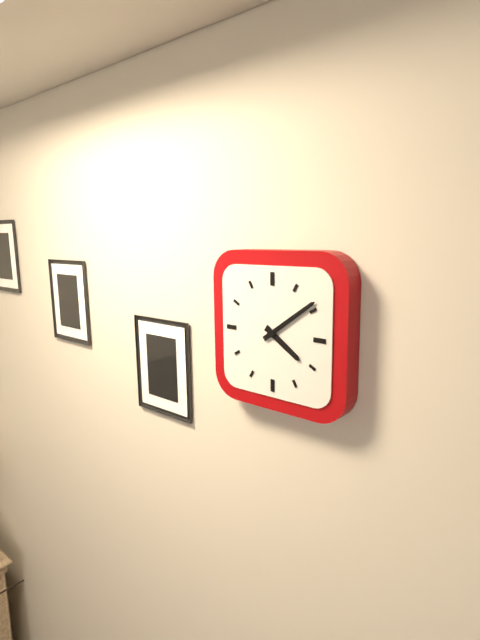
4.09
